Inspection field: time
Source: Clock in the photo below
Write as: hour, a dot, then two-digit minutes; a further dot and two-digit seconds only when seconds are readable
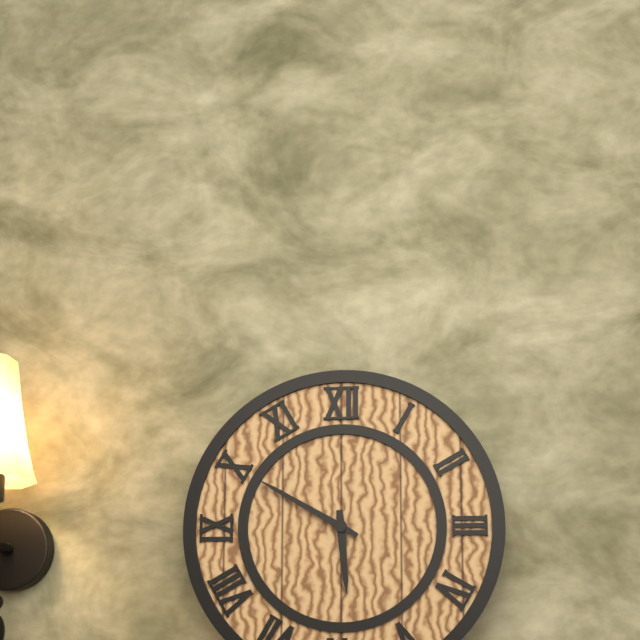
5.50
